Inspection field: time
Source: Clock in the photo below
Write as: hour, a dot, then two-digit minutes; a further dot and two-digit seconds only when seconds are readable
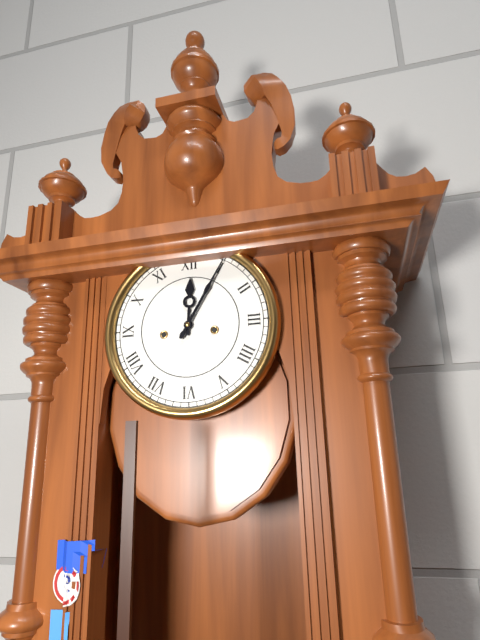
12.05
